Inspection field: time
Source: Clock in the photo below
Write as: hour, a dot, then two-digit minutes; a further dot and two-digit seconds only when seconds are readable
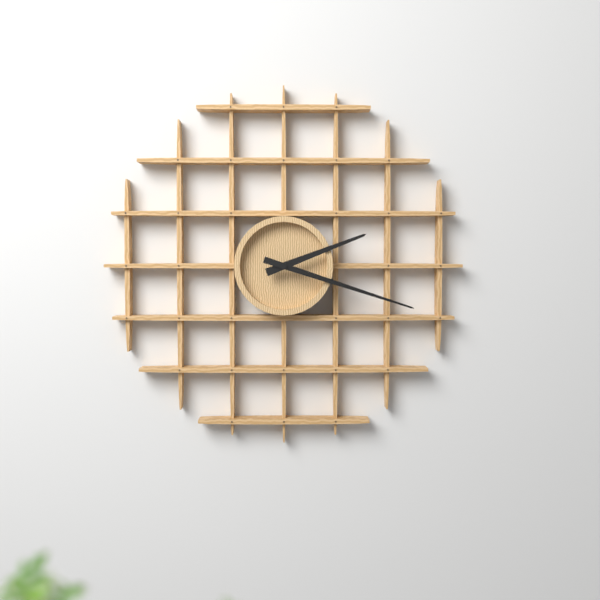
2.18
